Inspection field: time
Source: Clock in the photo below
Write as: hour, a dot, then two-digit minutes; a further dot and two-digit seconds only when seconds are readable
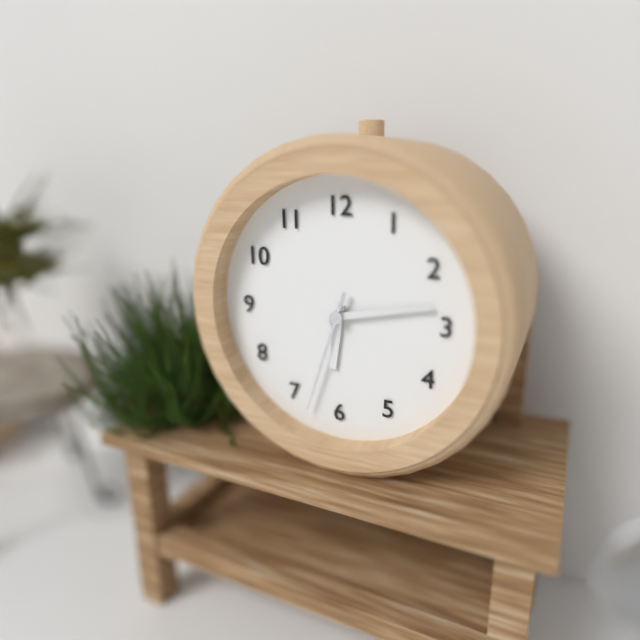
6.13.33
